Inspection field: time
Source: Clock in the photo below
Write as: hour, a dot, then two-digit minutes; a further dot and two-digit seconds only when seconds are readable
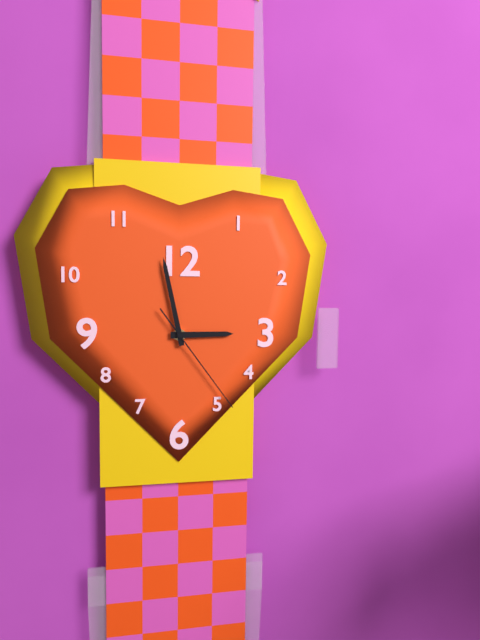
2.58.24
